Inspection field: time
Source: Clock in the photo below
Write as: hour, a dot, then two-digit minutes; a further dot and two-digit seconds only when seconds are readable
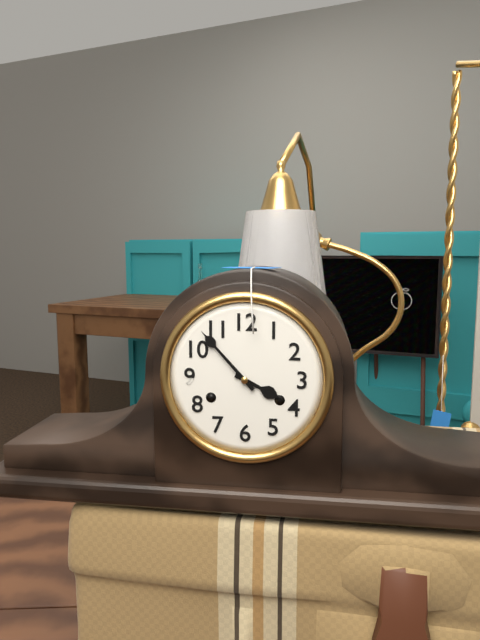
3.53
